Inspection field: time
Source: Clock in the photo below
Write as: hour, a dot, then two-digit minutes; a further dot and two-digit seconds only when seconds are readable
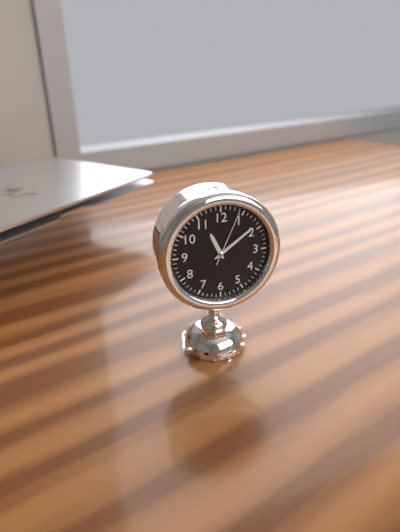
11.09.04
